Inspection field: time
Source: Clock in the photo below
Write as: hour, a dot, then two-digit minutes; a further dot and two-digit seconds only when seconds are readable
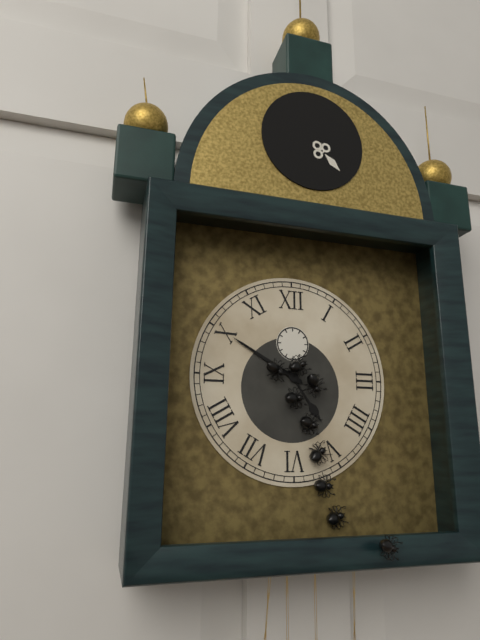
4.50
